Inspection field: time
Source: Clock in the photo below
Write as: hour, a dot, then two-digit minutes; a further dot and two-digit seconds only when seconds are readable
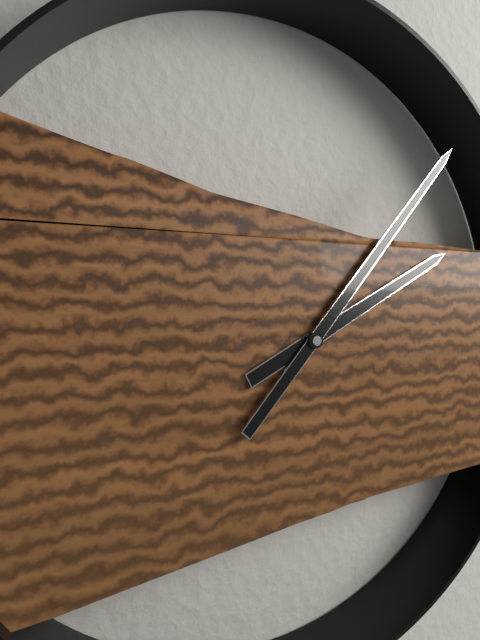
2.07
